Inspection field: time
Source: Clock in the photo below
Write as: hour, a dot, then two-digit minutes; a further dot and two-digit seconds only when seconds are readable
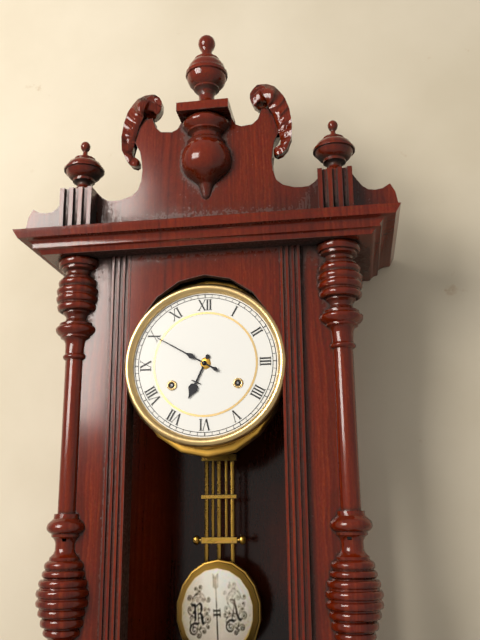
6.50
